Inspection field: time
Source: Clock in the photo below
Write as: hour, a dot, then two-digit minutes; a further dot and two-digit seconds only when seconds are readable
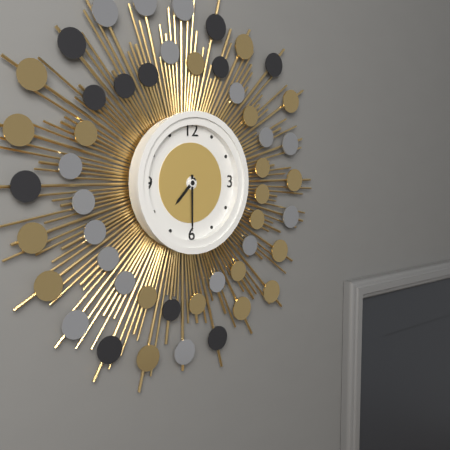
7.30
